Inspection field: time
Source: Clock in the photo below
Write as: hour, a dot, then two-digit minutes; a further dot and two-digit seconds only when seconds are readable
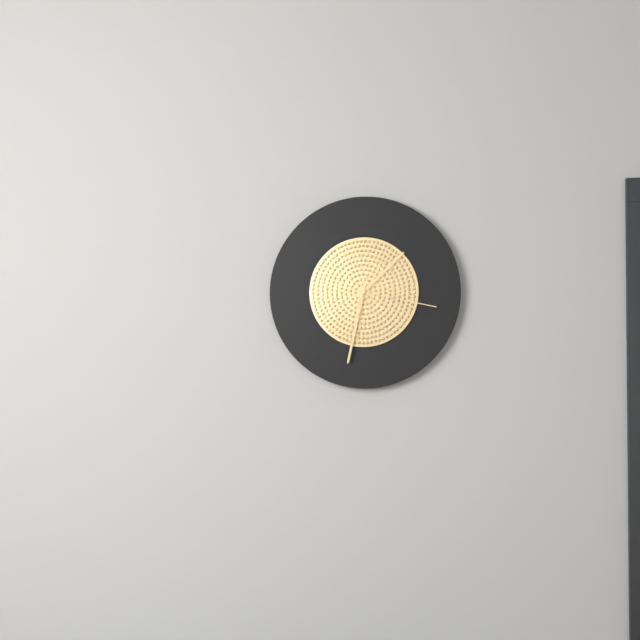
1.32.17
